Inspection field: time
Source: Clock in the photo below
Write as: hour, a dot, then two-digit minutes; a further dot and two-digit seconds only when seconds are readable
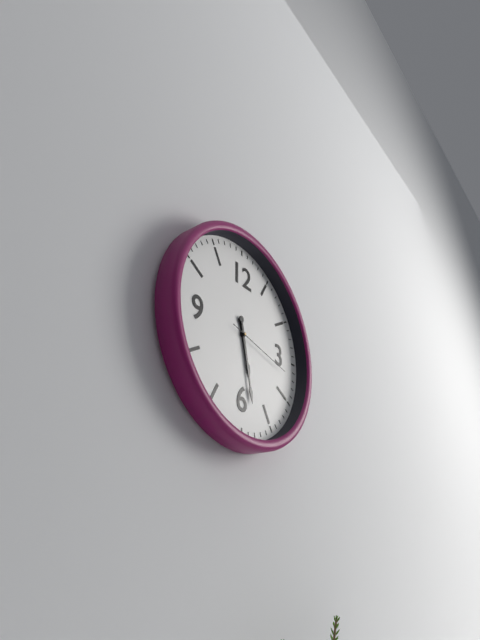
5.28.17
